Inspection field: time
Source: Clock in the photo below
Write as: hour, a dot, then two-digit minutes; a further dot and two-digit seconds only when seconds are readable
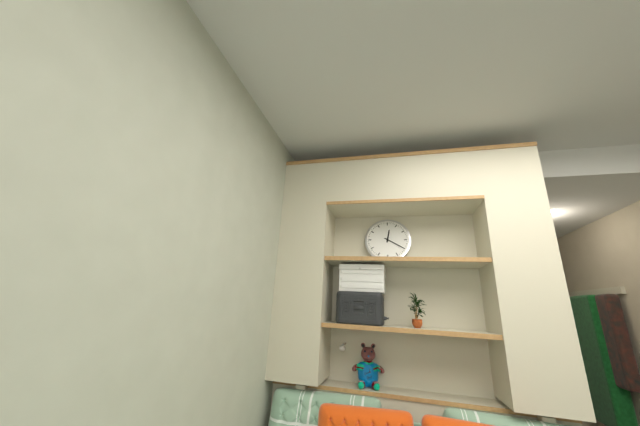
12.20
